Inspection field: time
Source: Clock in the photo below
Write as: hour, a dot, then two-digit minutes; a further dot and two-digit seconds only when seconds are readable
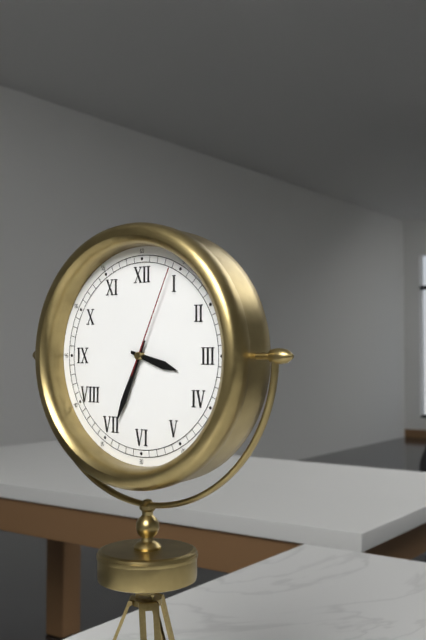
3.34.04
